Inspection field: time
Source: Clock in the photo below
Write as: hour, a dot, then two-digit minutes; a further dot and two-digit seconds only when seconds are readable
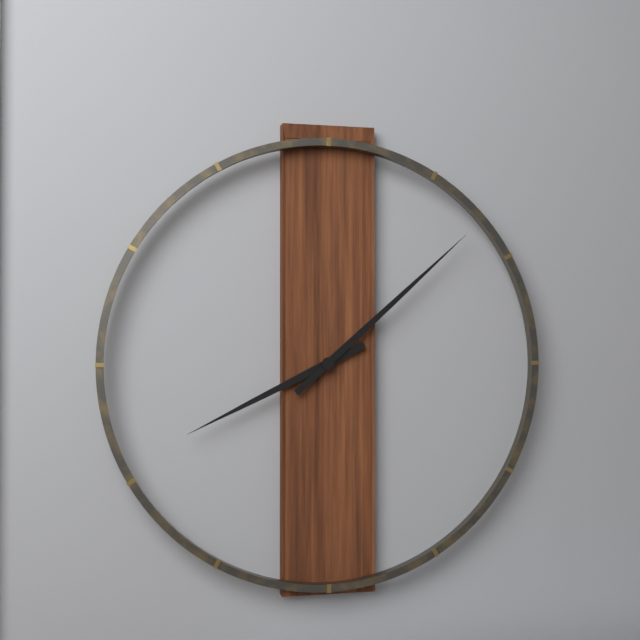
8.08
